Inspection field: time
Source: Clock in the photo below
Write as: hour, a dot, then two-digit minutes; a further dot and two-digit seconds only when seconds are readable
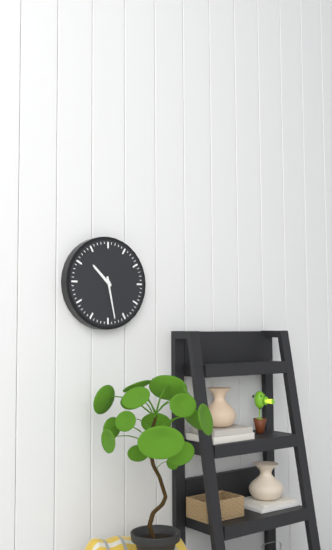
10.28
